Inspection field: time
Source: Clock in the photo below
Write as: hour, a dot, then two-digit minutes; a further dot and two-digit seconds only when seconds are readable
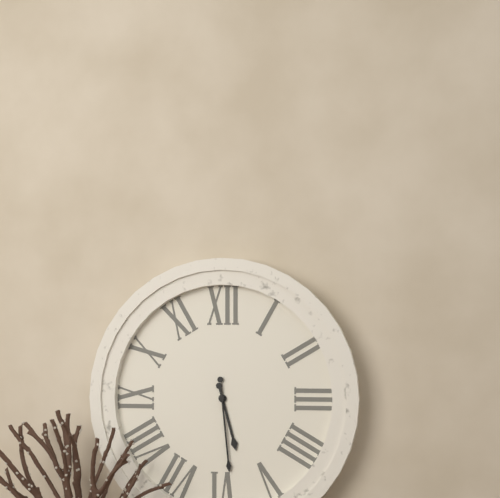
5.29
